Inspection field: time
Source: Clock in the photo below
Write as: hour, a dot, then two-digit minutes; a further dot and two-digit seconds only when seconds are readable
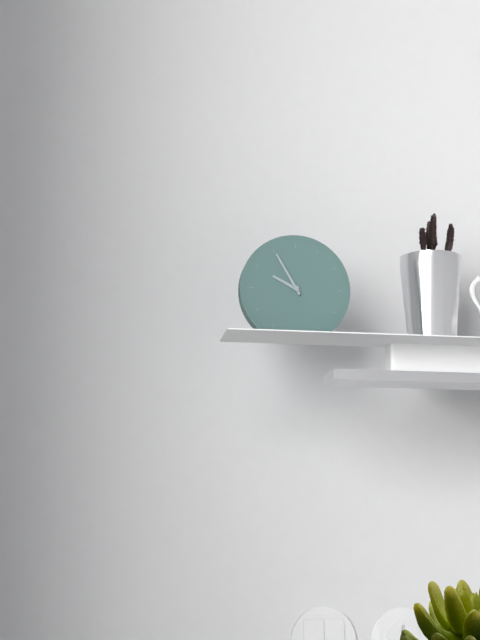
9.55
